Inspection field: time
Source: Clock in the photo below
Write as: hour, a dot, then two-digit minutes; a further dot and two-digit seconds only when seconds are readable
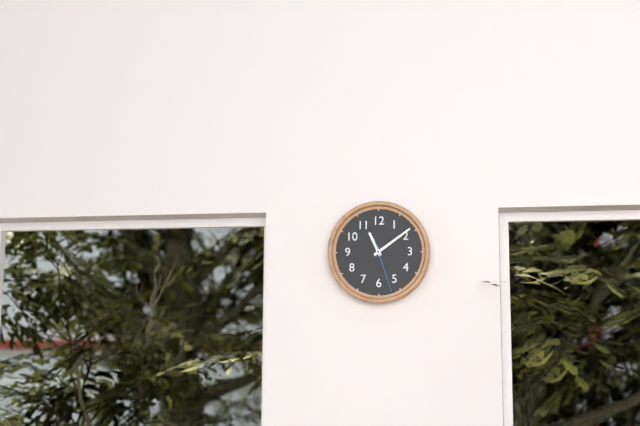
11.09.27
